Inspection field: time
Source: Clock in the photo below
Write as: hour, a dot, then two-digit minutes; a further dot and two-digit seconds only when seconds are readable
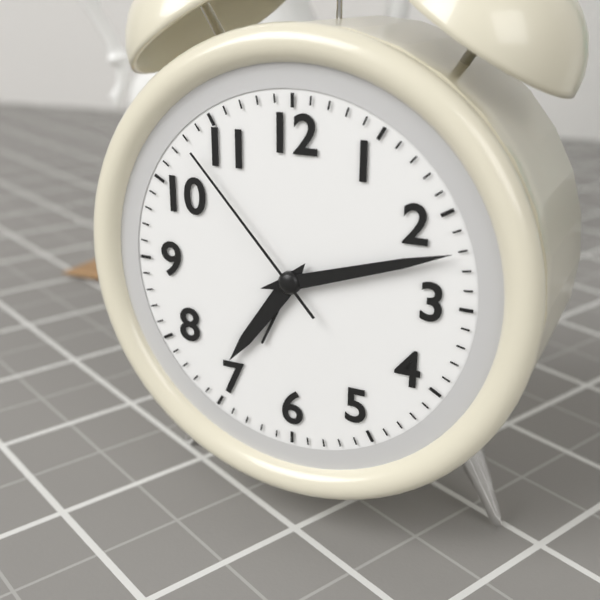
7.12.53
